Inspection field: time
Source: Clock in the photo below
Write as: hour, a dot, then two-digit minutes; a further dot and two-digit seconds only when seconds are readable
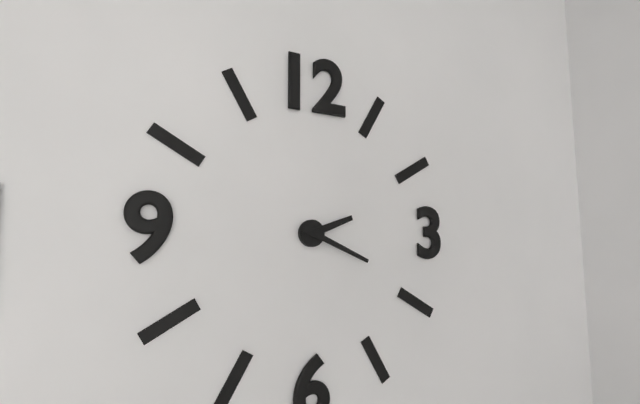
2.19
